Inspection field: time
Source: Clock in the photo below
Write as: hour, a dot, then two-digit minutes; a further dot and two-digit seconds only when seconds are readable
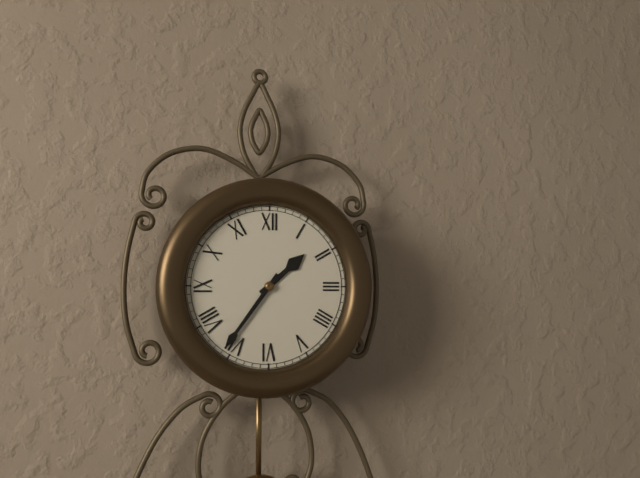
1.36
